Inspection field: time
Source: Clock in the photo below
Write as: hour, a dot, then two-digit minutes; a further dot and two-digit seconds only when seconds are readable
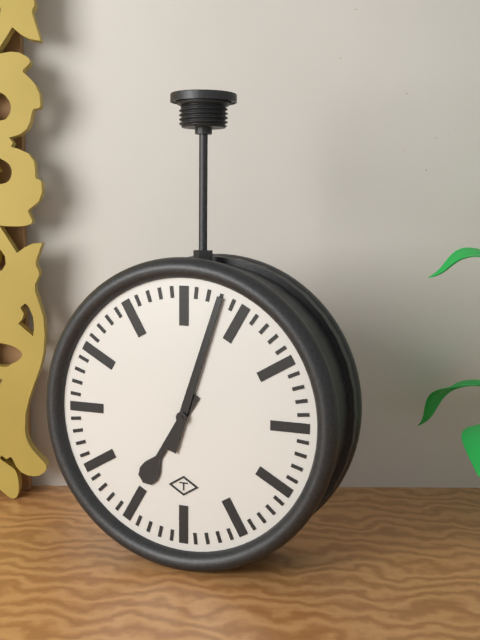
7.03
